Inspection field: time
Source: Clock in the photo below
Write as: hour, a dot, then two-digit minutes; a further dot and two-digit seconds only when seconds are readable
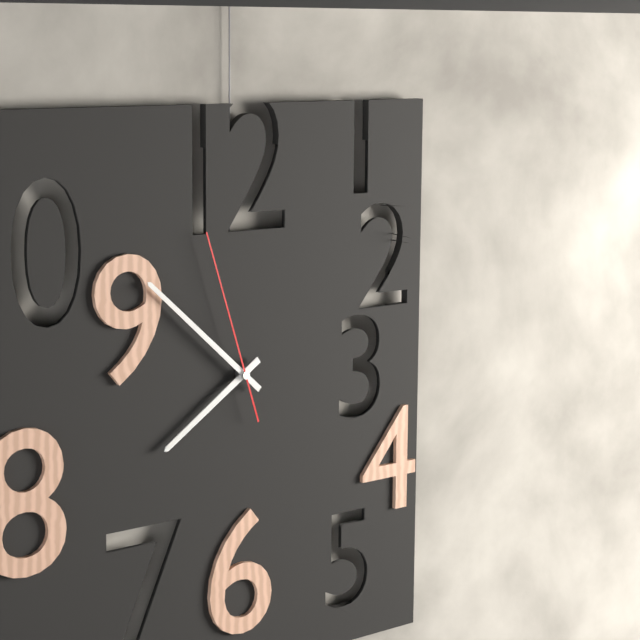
7.52.57
